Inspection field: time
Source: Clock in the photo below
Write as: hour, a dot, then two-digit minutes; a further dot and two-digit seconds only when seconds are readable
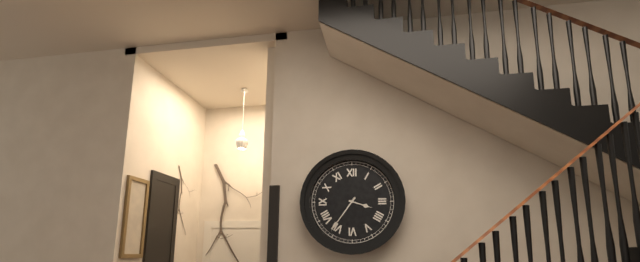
3.36
